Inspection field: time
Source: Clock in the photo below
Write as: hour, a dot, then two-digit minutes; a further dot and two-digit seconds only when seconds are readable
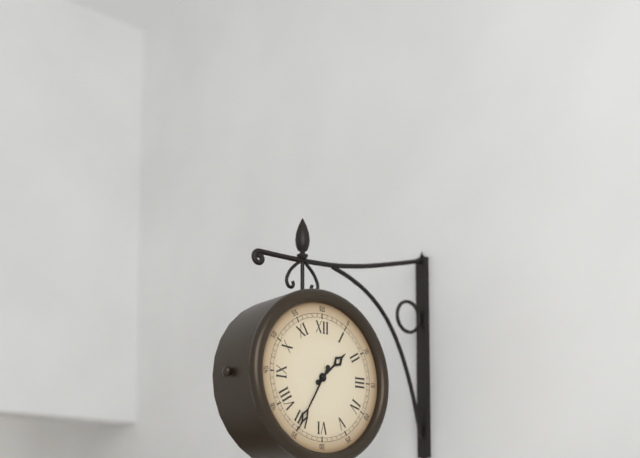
1.35
